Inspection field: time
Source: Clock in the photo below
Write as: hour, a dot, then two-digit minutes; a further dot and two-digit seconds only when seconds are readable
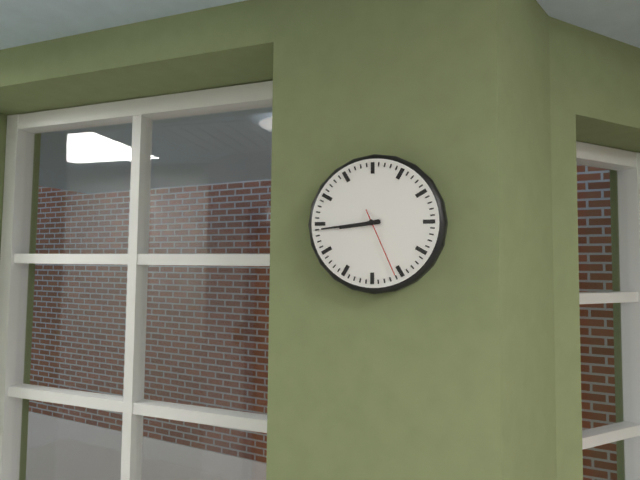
8.44.26
